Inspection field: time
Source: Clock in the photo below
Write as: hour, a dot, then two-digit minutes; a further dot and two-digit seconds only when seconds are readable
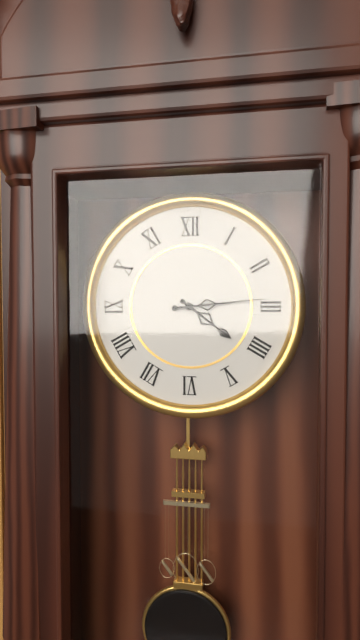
4.14
